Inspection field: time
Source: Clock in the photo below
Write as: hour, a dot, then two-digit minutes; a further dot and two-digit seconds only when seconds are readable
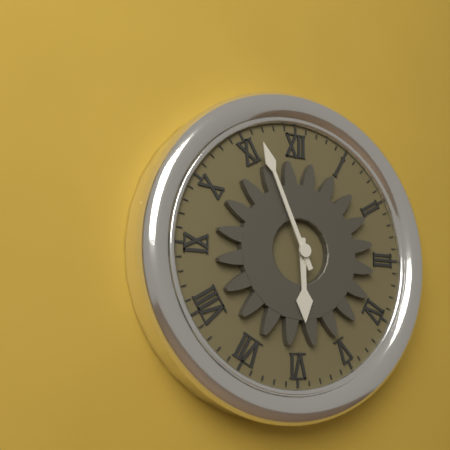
5.56
